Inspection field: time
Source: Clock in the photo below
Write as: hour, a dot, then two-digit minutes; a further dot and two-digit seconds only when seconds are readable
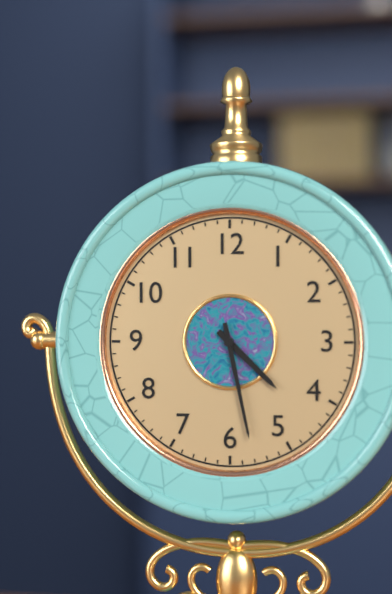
4.28
